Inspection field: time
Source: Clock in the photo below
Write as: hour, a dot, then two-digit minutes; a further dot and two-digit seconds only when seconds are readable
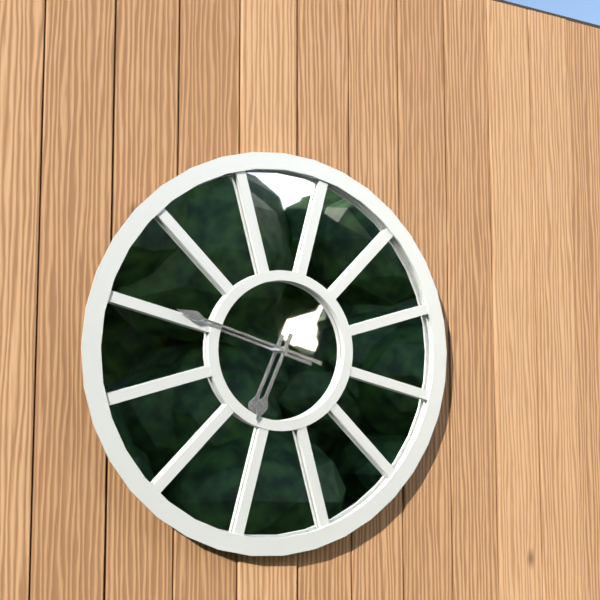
6.48
